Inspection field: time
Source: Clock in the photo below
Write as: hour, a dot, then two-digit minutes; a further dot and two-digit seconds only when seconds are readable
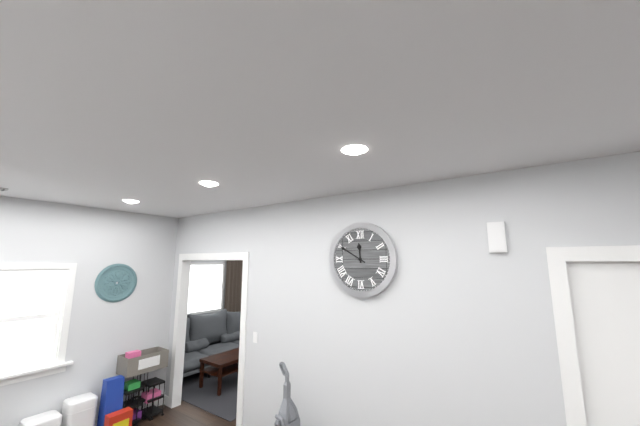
11.50
